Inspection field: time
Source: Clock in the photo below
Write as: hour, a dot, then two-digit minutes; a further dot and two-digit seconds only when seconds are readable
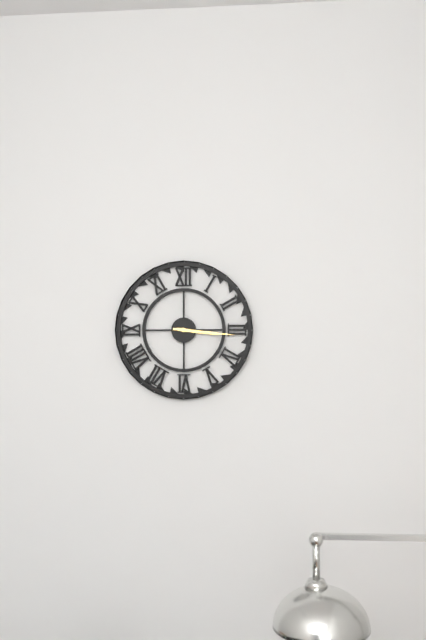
3.16
